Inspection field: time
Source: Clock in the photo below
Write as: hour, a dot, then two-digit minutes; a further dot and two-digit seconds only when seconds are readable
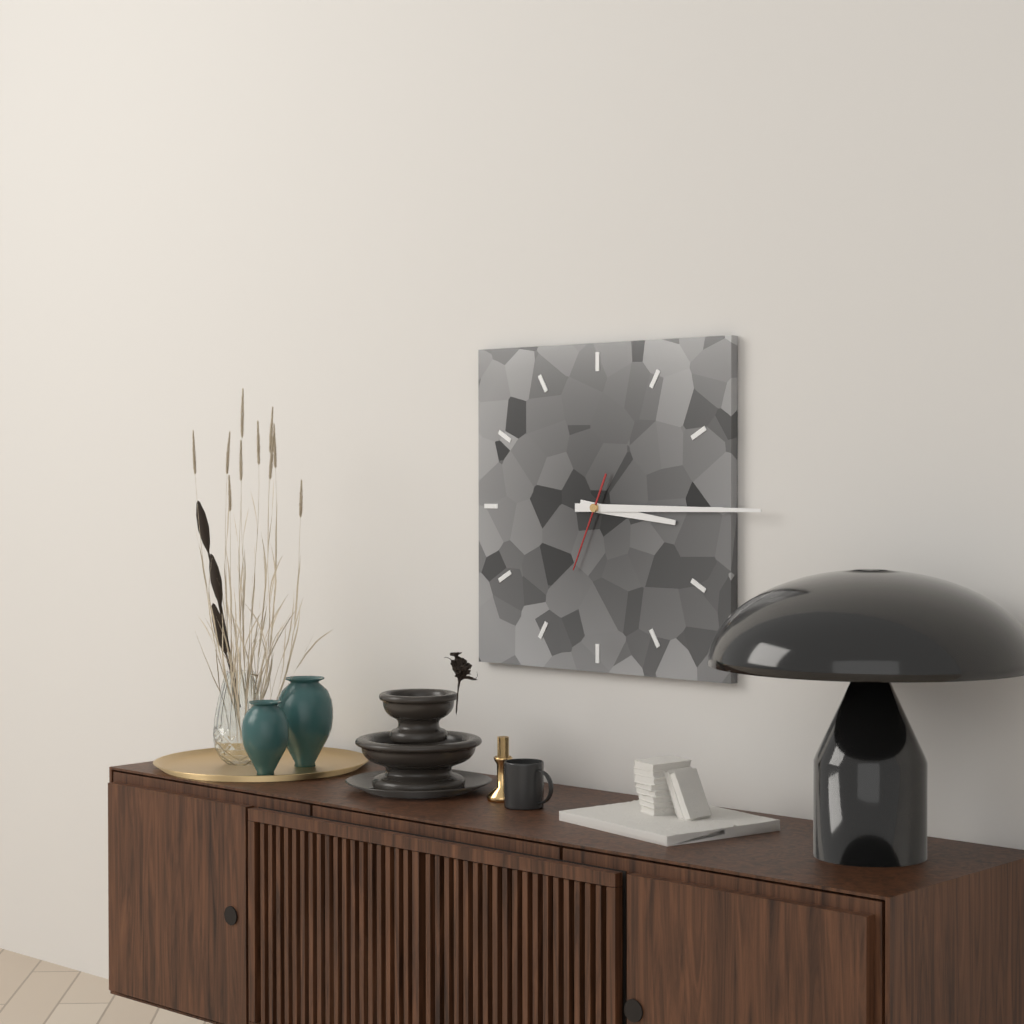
3.15.34
